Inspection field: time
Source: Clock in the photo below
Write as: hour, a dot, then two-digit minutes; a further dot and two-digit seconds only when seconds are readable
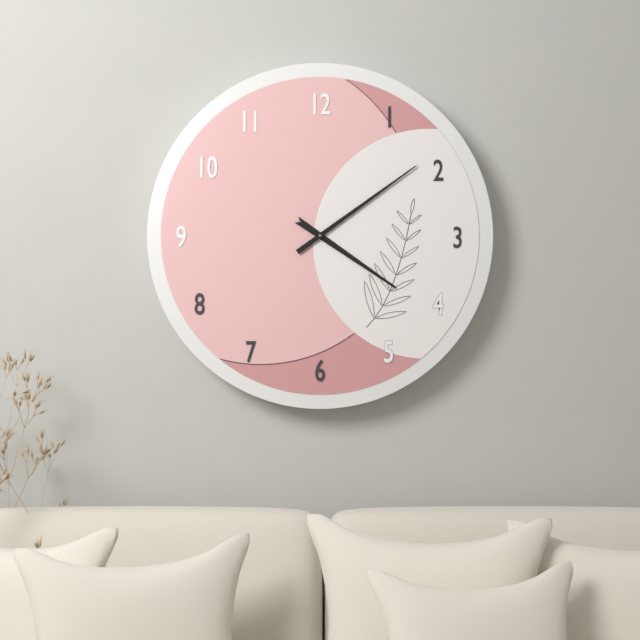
4.09
